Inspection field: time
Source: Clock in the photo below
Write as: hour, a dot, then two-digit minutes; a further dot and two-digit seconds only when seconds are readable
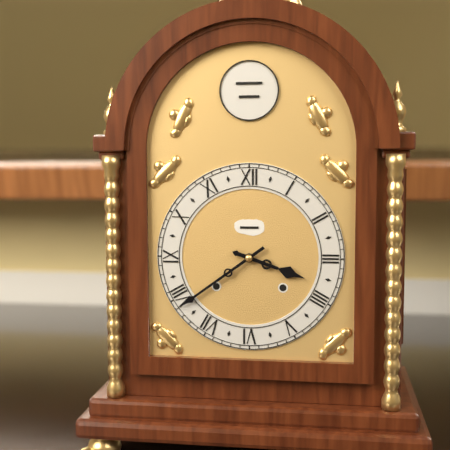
3.39
